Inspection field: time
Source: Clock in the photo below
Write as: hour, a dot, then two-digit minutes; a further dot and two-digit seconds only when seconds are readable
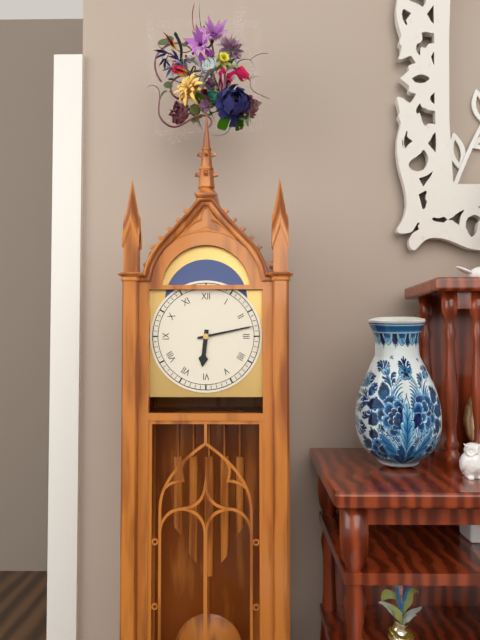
6.13
